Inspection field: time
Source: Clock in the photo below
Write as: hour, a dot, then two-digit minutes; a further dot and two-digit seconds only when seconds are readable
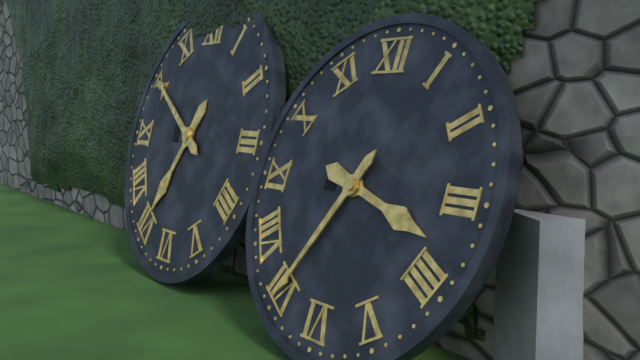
3.35
